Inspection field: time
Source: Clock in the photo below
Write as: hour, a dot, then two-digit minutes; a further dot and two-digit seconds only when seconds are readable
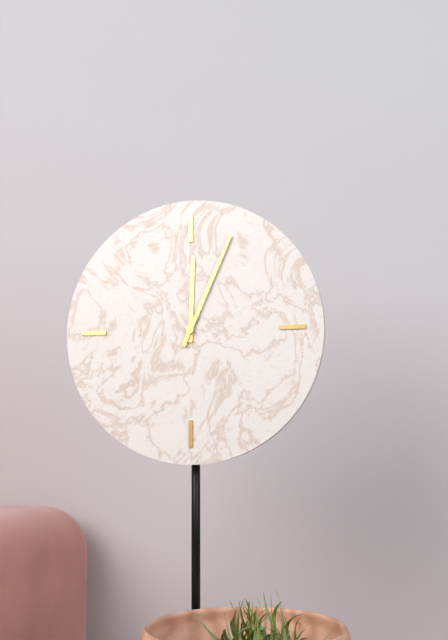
12.04
